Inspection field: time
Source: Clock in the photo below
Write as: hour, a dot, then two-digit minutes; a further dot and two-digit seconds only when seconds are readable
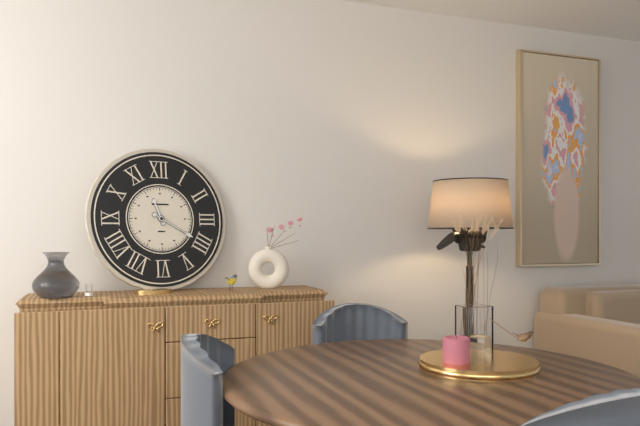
11.20
